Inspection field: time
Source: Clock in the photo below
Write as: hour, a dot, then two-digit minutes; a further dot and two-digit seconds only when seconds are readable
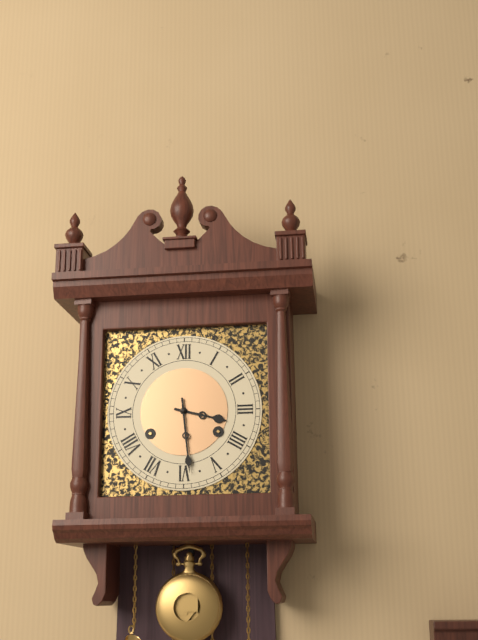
3.29
